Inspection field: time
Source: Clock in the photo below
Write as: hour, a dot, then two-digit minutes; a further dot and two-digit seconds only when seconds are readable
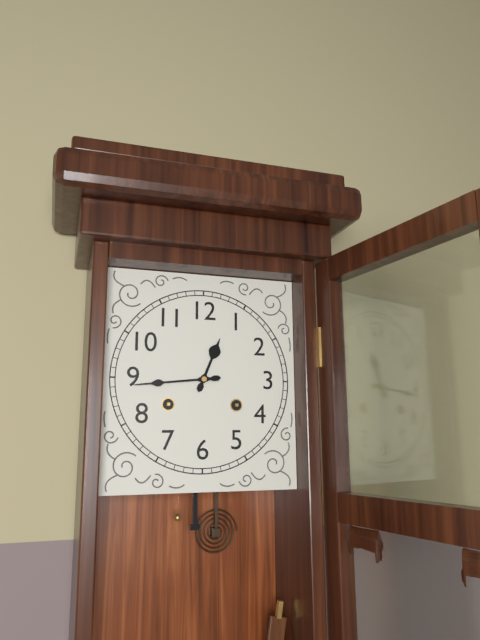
12.44
